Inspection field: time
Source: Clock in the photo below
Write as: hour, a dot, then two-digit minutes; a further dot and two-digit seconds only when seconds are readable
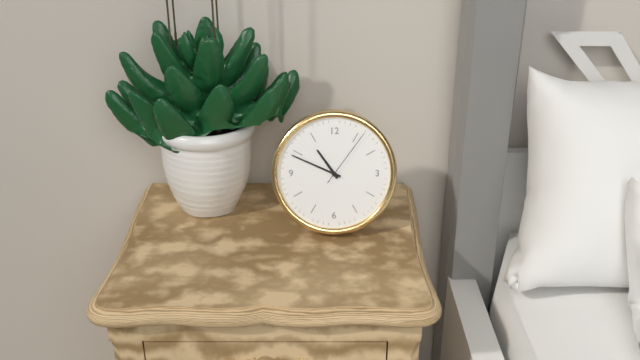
10.49.06
